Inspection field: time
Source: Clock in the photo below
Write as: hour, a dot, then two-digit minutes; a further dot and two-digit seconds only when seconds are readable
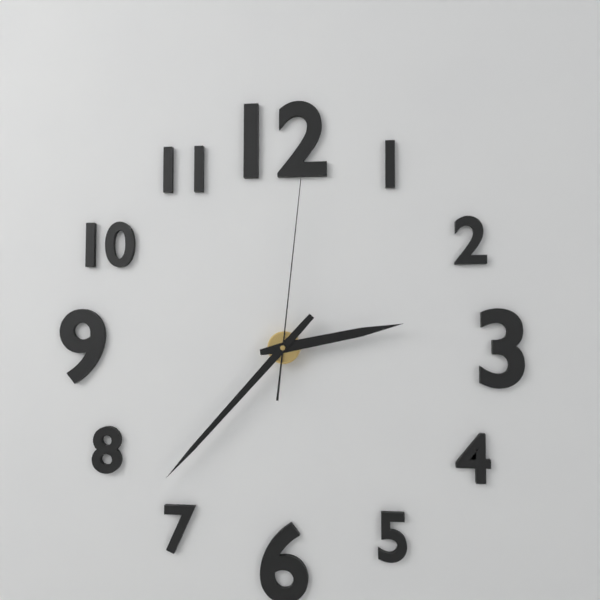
2.37.01
